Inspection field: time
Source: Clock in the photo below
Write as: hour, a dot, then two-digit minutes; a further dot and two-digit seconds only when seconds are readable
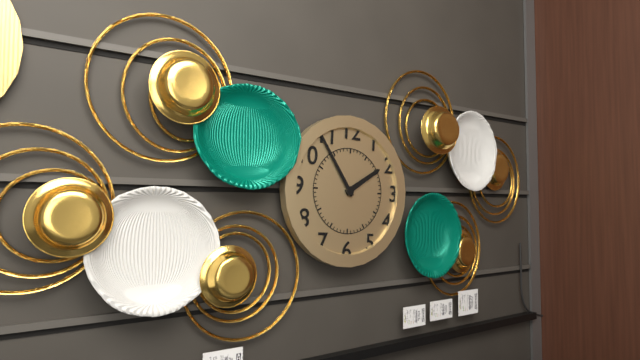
1.54
